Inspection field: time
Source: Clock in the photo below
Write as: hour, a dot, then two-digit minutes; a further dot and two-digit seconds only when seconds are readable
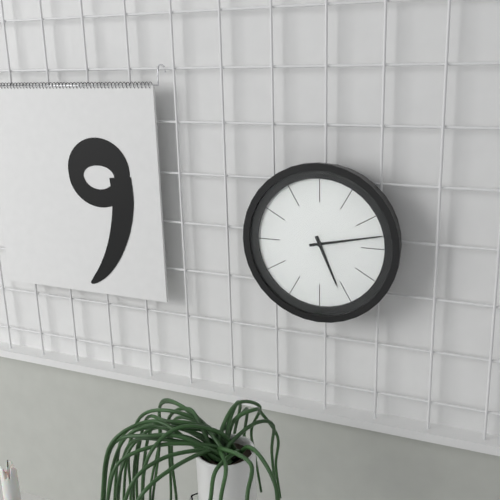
5.13
